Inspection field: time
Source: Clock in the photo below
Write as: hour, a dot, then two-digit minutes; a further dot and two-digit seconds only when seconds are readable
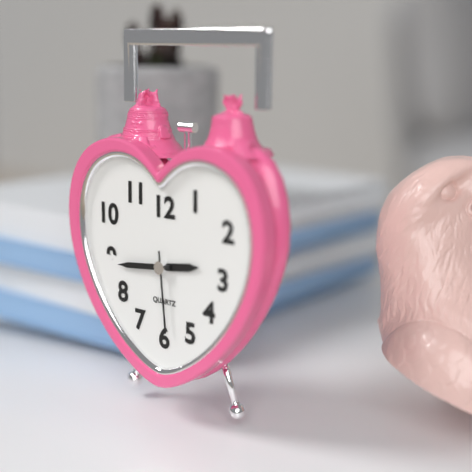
2.44.29
